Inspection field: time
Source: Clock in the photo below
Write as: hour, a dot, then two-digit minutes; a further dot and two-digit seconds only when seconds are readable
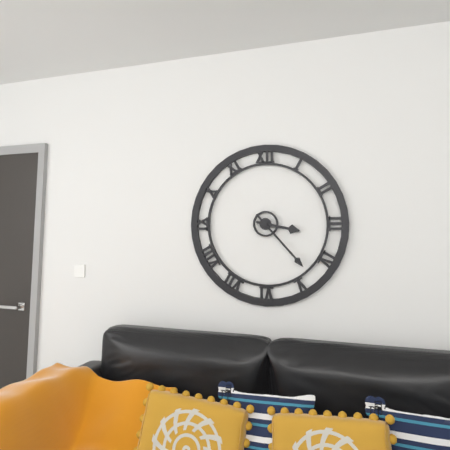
3.23
